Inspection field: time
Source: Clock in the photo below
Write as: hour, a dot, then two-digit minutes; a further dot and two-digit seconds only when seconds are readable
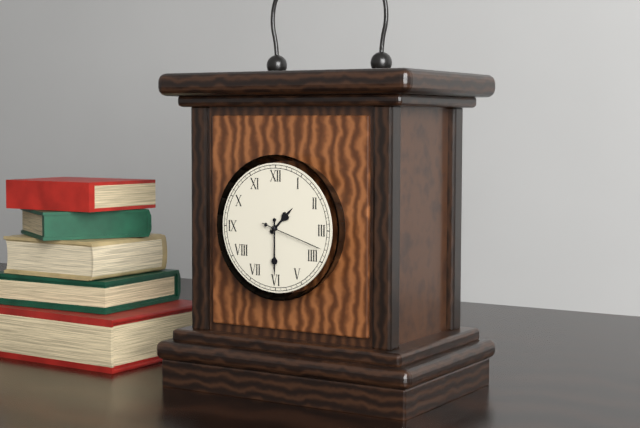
1.30.18
